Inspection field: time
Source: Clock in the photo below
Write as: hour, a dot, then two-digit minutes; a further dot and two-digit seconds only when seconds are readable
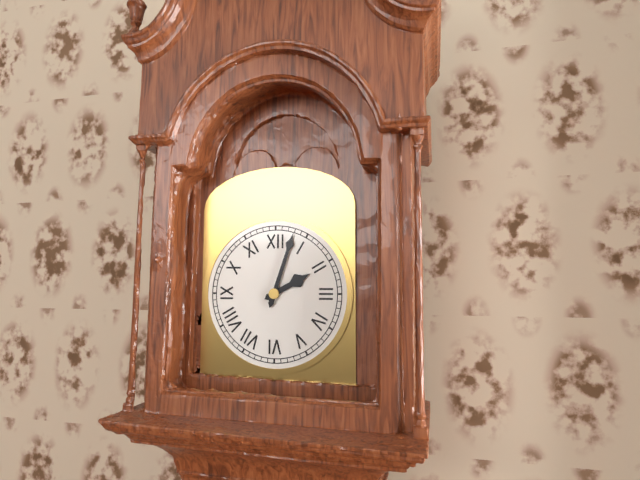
2.03
